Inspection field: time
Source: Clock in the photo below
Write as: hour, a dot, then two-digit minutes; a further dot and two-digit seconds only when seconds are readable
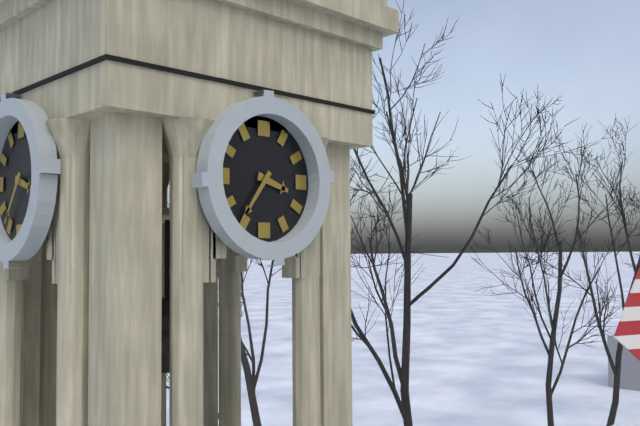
3.36
